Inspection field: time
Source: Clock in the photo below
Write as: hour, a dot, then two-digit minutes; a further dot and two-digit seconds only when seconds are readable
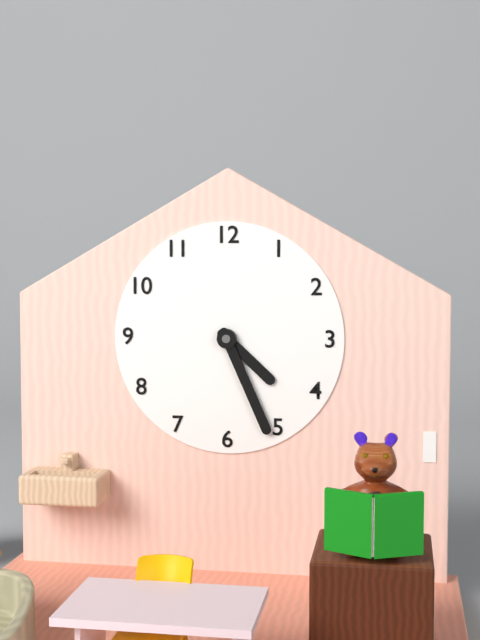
4.26
